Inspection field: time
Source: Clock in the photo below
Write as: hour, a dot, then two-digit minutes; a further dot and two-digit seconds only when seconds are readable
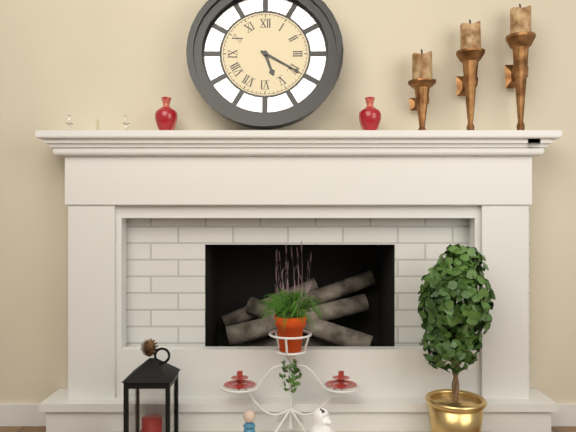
5.20
